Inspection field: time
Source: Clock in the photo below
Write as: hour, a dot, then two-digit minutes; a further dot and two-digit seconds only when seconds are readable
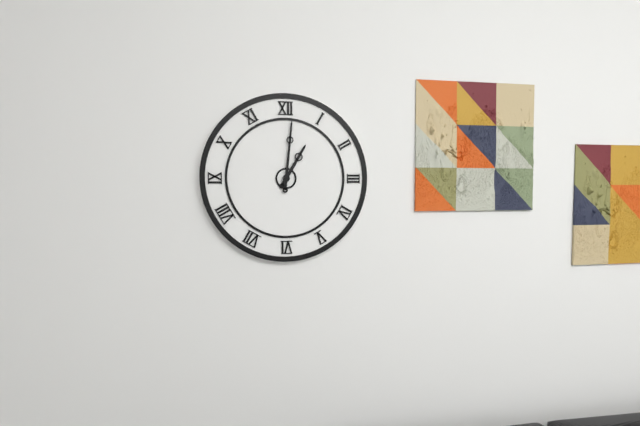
1.01
